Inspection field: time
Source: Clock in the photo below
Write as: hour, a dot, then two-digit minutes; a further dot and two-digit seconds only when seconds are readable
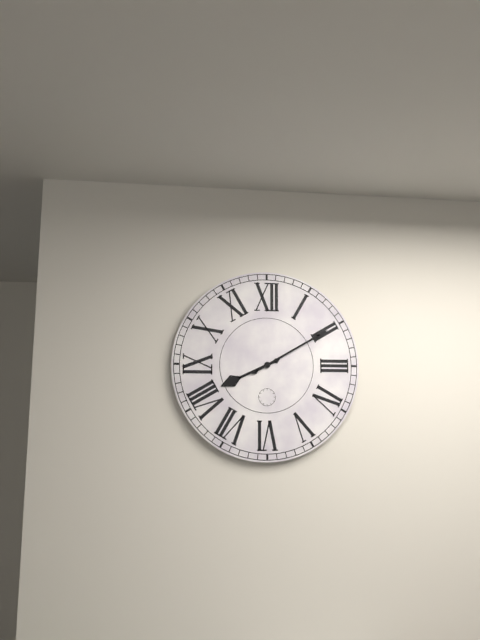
8.10
